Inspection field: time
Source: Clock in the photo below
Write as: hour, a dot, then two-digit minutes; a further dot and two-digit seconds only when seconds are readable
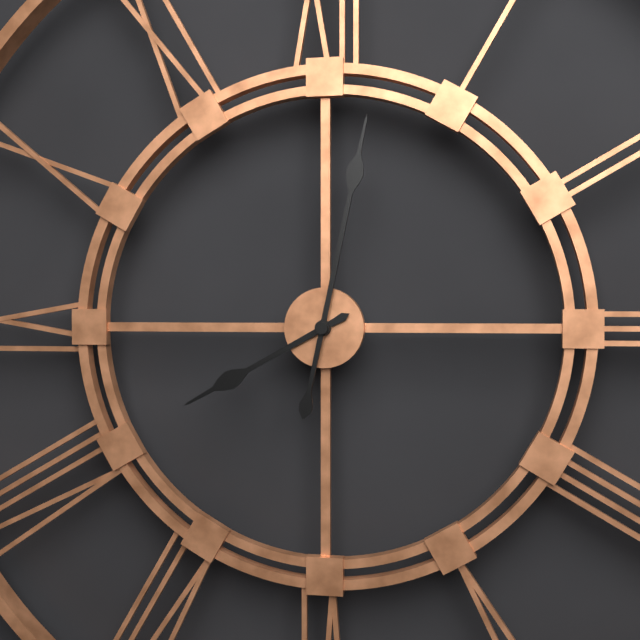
8.02
